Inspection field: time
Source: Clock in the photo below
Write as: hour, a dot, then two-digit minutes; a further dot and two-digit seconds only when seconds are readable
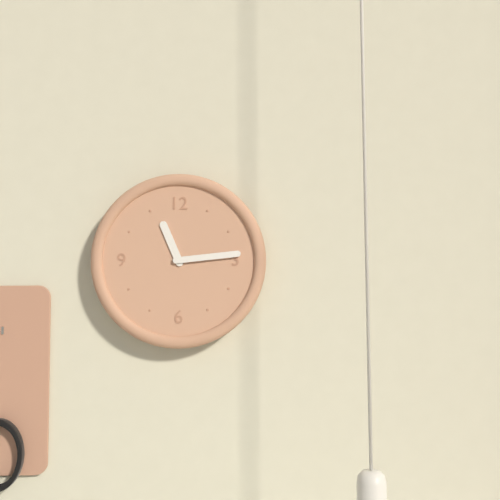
11.14
